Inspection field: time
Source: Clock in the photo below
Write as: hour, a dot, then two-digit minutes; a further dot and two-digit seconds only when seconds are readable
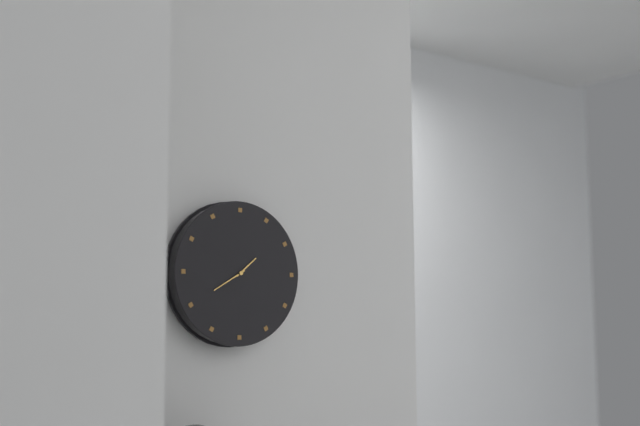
1.40
